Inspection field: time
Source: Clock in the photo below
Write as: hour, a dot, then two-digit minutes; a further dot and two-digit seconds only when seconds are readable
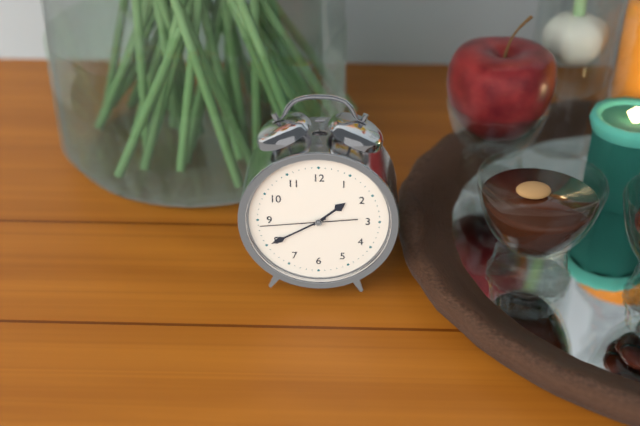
1.40.44
